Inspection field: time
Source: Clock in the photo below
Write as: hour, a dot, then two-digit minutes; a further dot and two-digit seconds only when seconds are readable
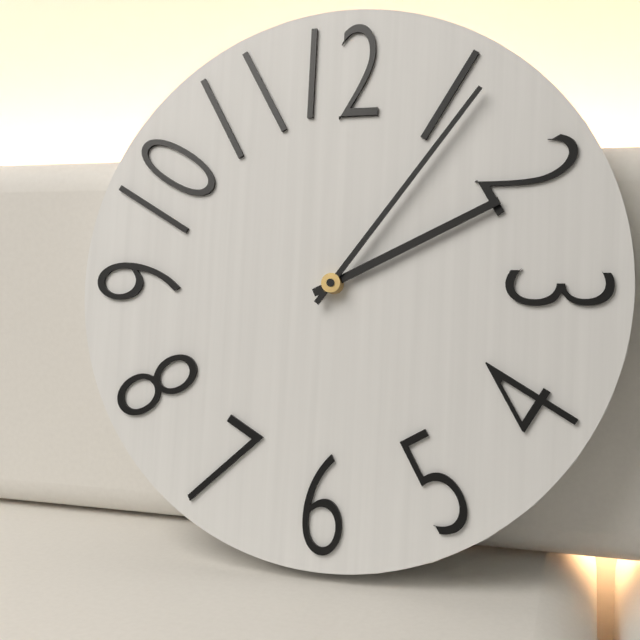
2.06
